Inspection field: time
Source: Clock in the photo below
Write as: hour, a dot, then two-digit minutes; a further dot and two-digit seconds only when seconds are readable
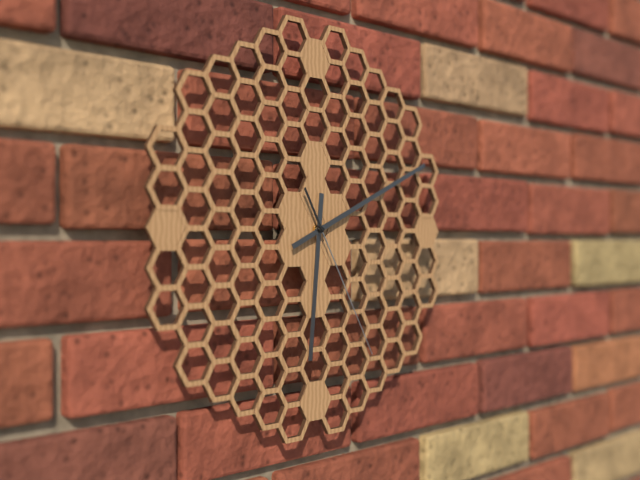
6.11.25
